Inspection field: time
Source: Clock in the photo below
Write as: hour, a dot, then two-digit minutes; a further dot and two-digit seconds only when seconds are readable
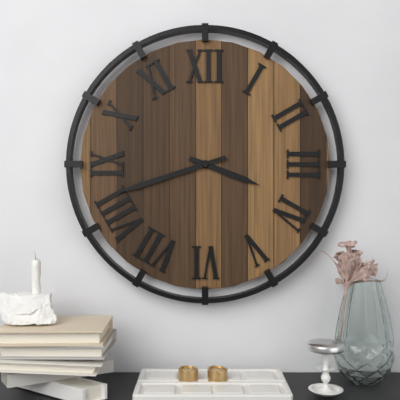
3.42
